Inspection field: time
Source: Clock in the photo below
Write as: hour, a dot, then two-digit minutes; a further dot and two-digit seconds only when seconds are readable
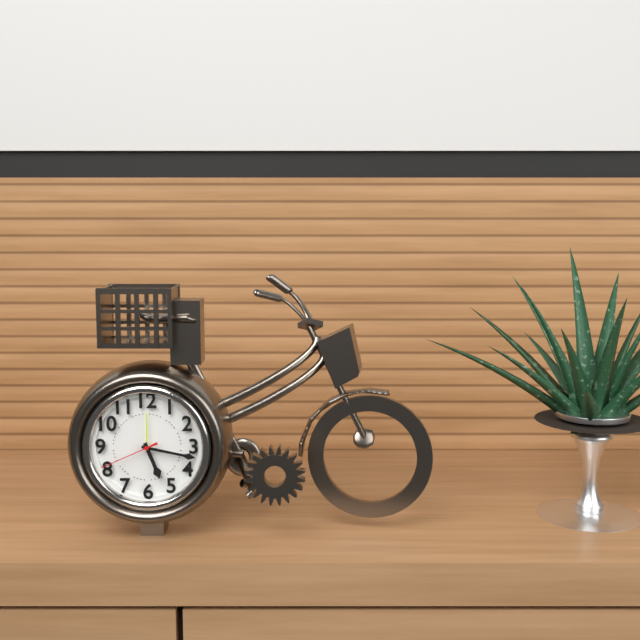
5.17.41
